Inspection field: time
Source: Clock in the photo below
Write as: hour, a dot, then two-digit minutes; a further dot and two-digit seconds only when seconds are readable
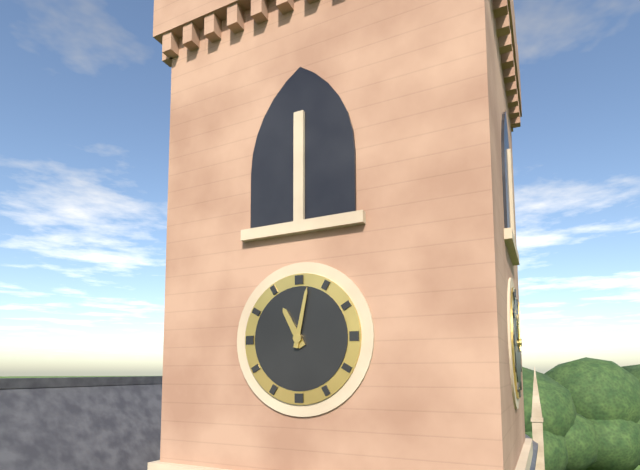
11.02
